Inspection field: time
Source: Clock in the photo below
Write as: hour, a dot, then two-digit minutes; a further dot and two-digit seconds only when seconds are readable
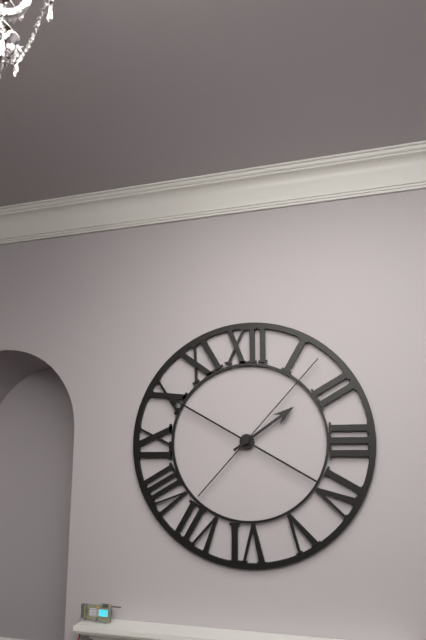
1.50.07
